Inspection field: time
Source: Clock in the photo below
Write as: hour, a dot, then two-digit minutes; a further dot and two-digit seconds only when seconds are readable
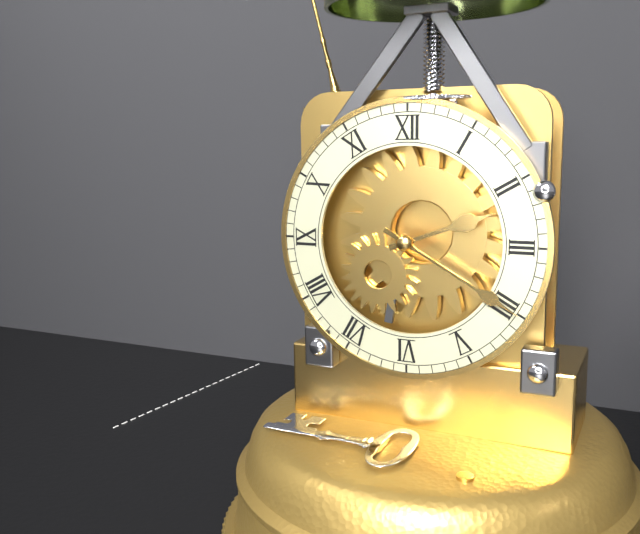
2.20
